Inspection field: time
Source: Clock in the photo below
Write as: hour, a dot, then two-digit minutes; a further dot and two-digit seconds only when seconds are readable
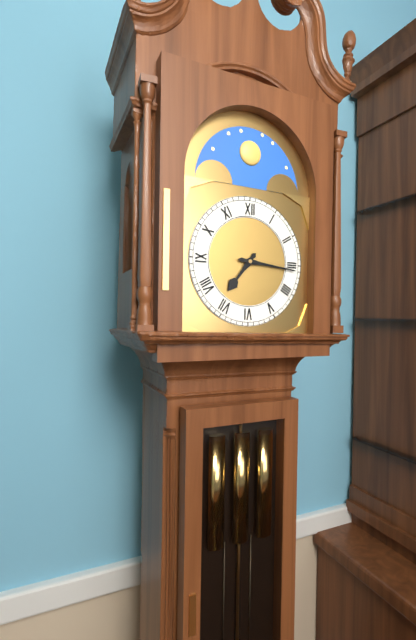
7.16
